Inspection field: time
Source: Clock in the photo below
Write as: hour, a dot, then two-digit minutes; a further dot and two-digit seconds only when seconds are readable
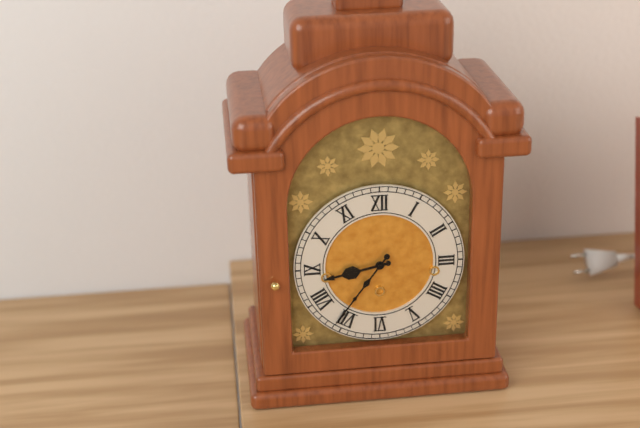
8.36
